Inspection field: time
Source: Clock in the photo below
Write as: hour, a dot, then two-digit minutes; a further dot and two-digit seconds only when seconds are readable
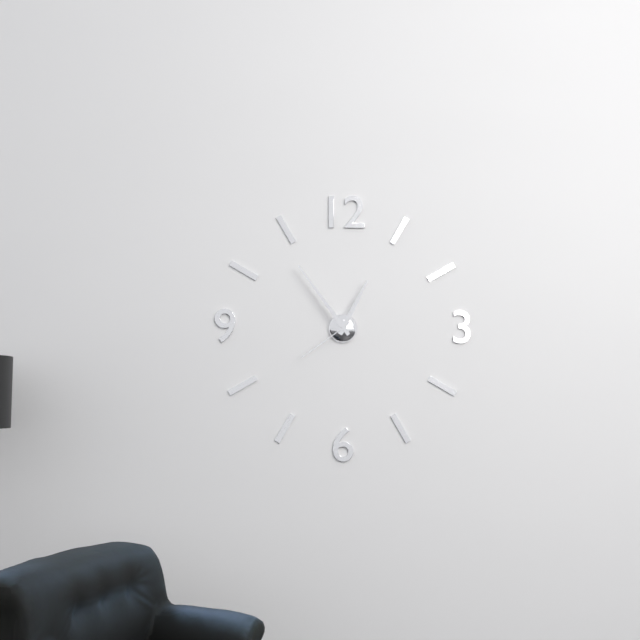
12.54.39
